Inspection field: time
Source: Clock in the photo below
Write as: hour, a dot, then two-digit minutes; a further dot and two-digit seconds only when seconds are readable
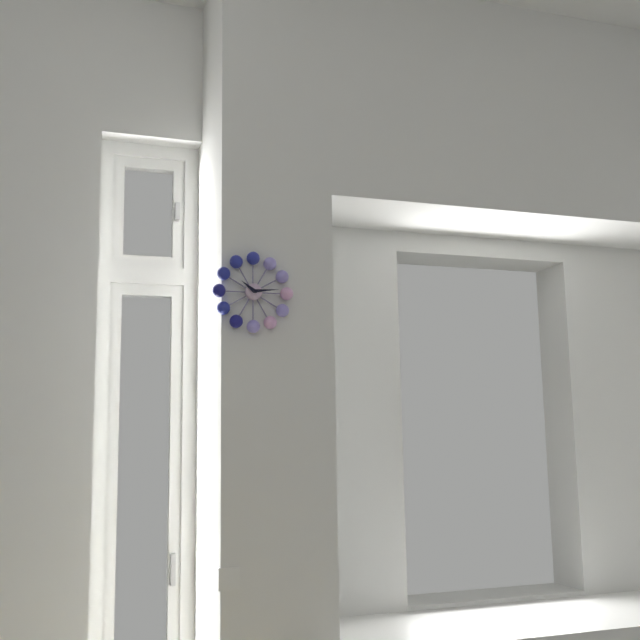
10.14
